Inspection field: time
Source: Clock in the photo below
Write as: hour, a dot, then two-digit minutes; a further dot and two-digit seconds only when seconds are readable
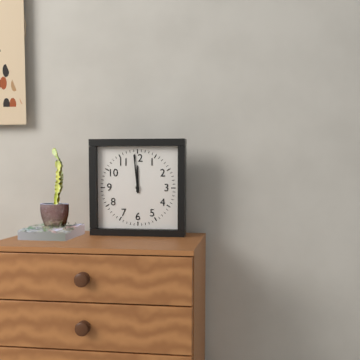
11.59
